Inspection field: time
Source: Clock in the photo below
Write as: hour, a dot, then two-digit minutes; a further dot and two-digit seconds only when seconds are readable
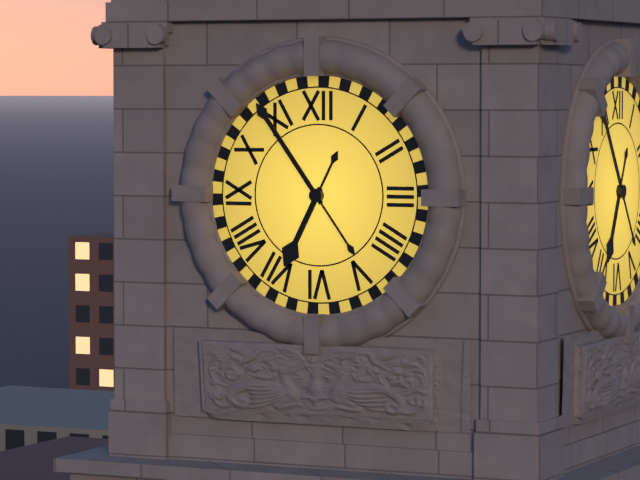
6.54
